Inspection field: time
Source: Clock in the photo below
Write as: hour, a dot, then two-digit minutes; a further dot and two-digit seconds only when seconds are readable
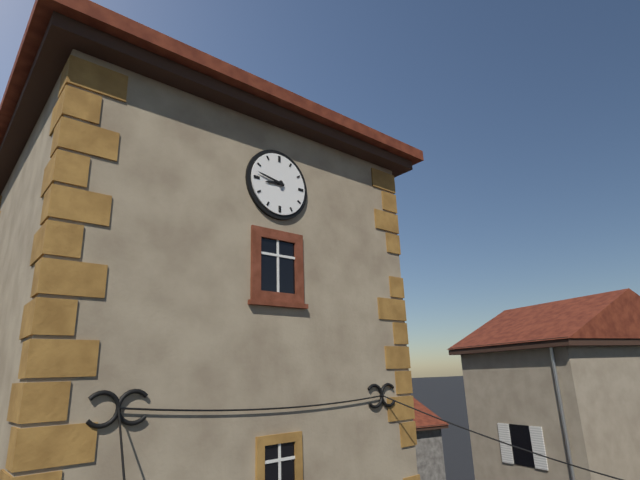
8.47
